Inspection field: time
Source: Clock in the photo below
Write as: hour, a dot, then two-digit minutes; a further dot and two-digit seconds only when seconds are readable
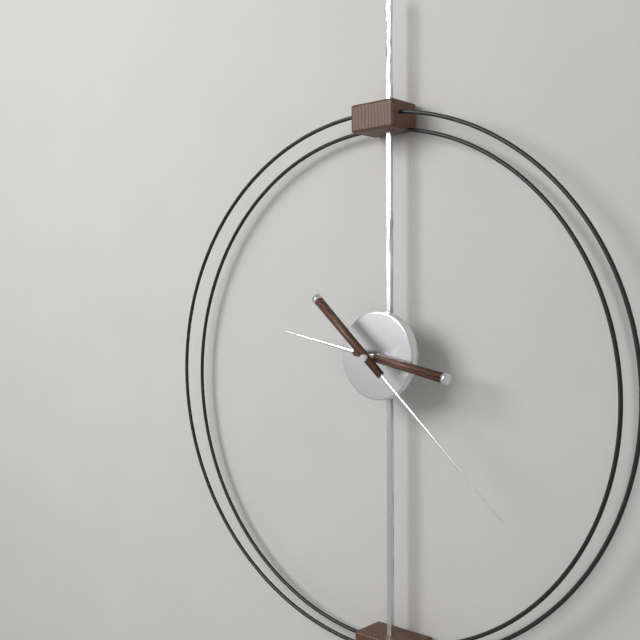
9.22
